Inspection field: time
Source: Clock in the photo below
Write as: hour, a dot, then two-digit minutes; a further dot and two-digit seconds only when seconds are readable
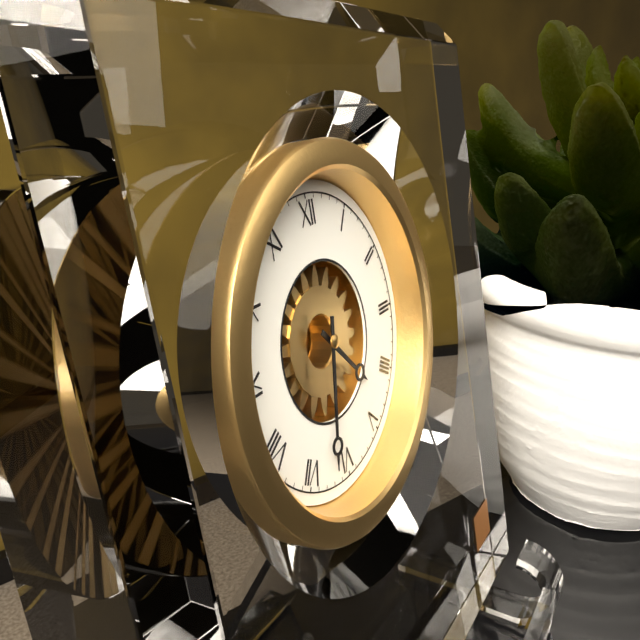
4.32
